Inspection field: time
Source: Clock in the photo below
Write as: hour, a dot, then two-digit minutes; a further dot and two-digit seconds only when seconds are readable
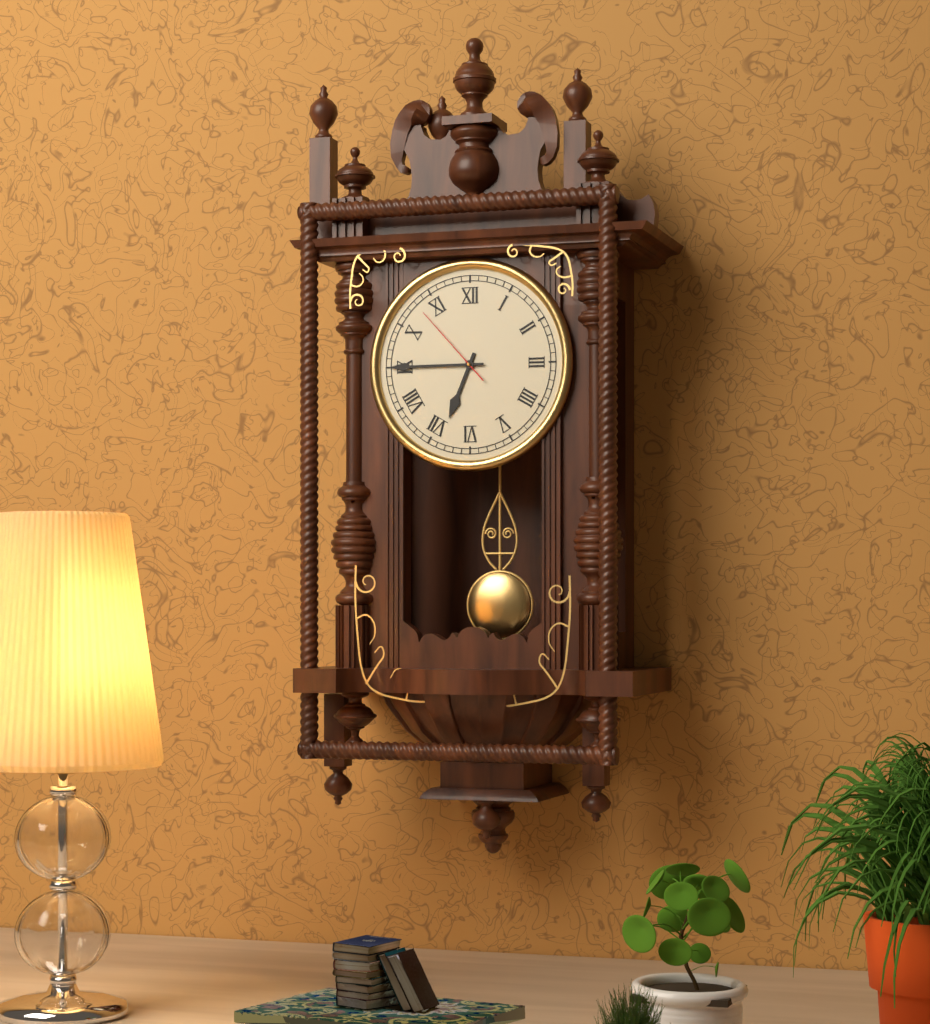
6.45.53
